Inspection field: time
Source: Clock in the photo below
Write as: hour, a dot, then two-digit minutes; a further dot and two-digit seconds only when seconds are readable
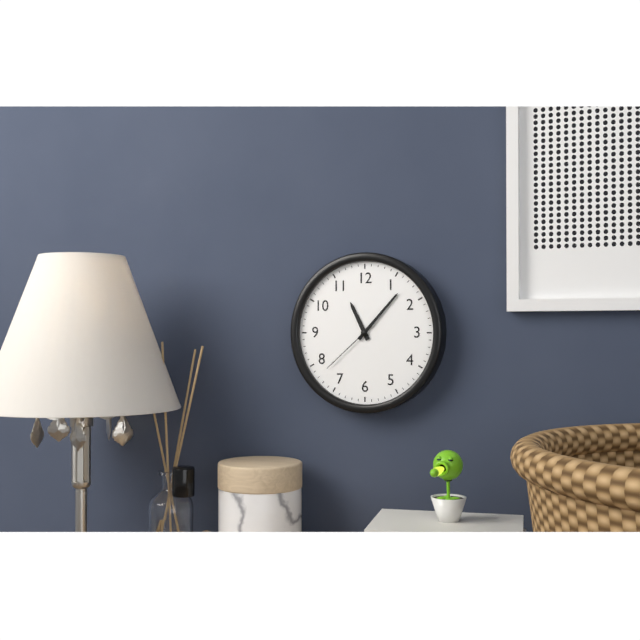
11.07.38
